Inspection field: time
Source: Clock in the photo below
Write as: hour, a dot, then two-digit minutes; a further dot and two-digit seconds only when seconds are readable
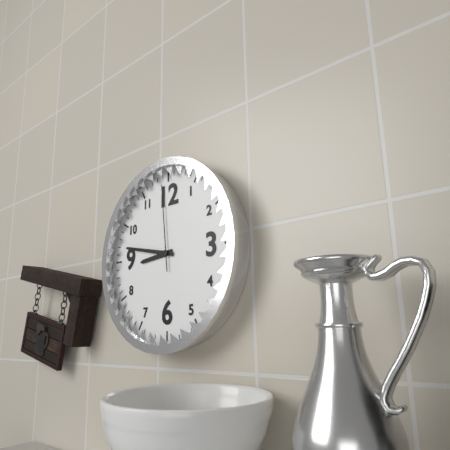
8.47.59
